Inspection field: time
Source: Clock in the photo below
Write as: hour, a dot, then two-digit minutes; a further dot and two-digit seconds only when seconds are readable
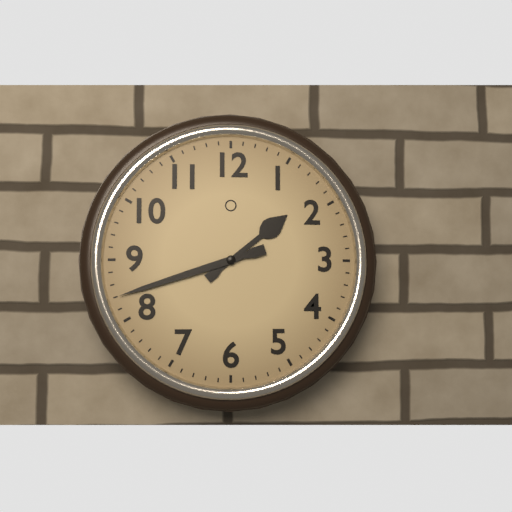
1.42
